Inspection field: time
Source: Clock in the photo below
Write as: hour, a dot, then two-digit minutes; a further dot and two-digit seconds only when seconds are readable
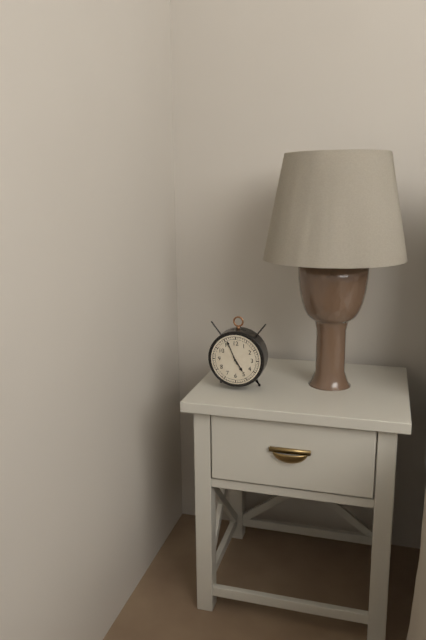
4.56
